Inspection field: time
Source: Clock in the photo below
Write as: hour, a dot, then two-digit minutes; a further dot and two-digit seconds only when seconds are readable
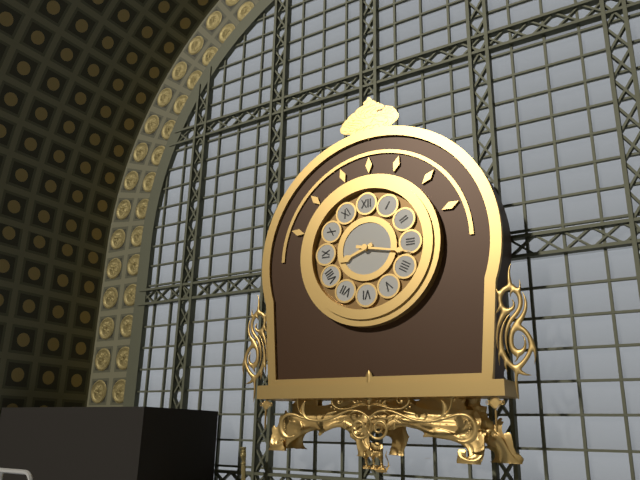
8.17
